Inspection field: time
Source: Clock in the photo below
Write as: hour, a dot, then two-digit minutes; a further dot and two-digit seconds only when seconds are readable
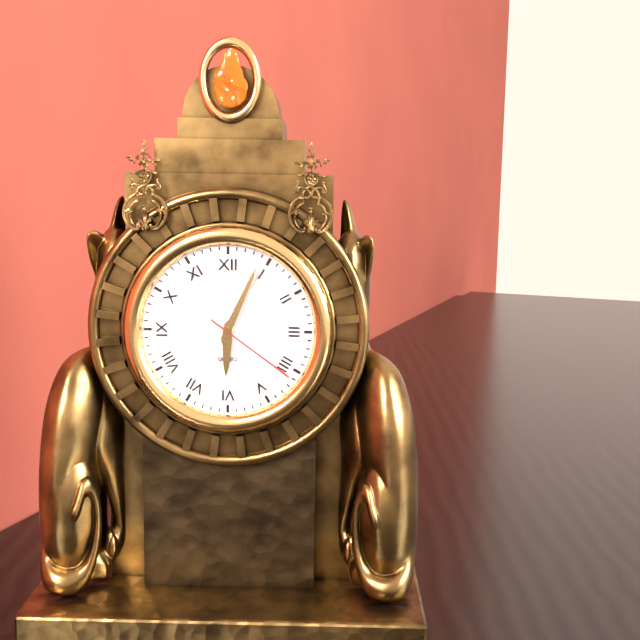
6.04.21
